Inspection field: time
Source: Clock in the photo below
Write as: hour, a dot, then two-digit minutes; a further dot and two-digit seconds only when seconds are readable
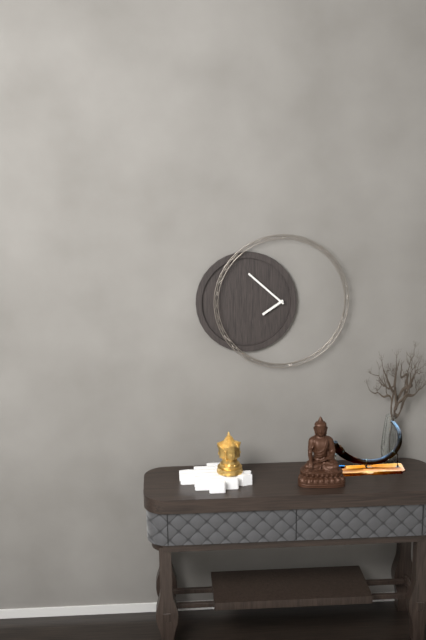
7.52
